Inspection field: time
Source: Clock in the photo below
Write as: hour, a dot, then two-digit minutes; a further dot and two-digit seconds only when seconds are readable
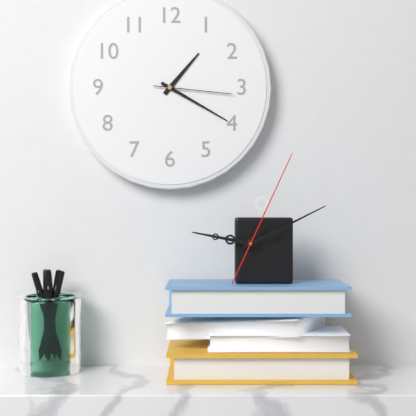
1.20.16
